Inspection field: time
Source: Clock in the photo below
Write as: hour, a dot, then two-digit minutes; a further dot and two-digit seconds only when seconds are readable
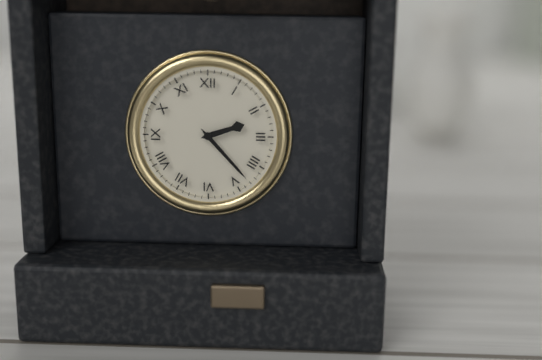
2.23
